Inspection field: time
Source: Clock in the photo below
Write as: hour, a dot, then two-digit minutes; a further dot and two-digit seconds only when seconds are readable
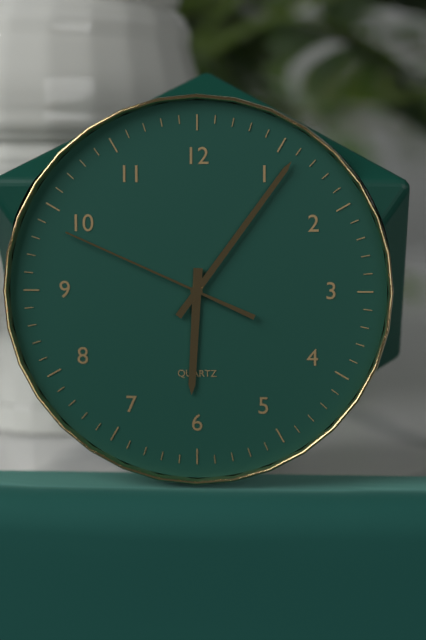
6.06.49
